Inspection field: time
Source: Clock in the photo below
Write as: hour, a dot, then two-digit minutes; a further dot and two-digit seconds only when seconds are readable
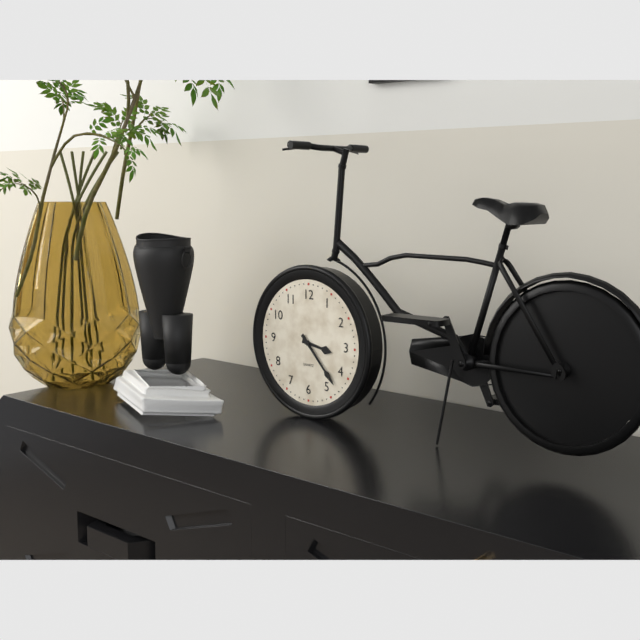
3.23
